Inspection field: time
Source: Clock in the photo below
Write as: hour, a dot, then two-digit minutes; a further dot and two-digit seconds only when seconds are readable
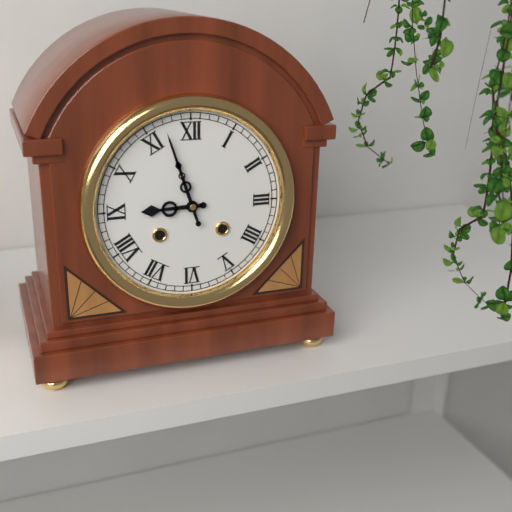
8.57
